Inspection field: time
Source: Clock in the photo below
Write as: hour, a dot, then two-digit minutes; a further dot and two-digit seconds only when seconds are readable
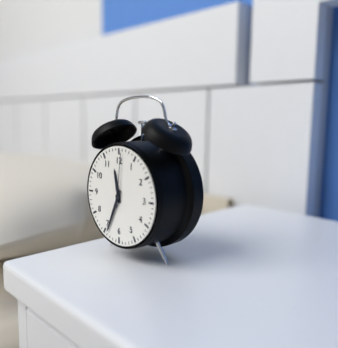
11.34.01
